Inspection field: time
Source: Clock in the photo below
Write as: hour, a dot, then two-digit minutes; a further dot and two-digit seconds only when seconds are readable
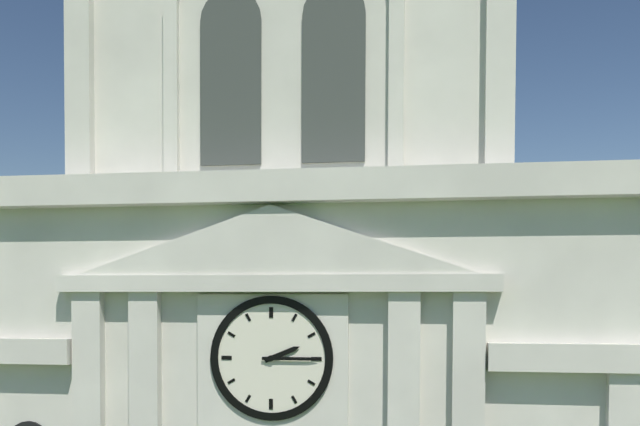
2.15
